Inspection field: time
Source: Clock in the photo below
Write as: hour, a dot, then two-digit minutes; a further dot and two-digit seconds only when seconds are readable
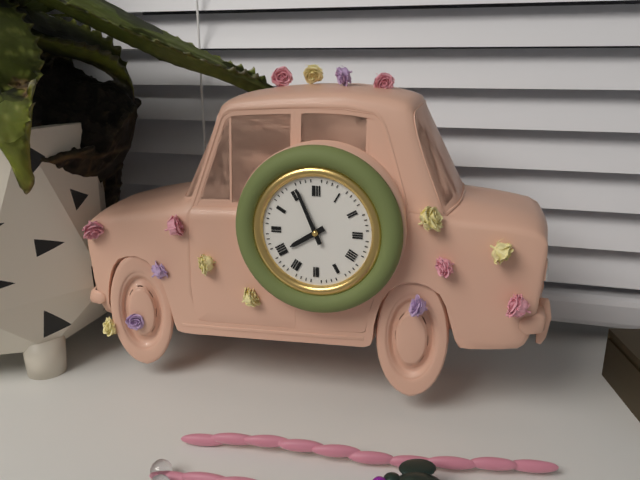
7.56
